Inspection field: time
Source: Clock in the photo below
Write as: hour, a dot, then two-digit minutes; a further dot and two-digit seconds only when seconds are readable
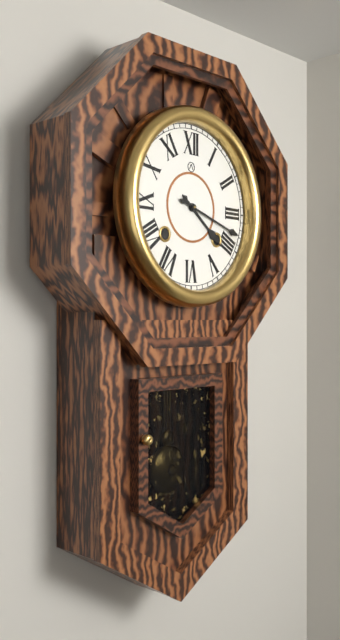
4.18
